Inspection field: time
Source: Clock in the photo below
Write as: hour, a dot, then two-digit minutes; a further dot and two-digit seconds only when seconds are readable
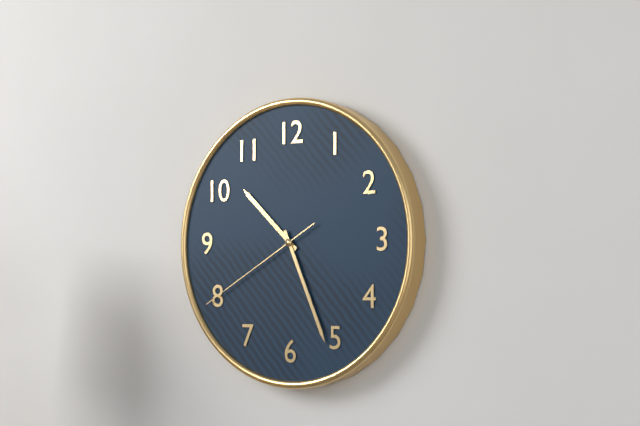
10.26.40
